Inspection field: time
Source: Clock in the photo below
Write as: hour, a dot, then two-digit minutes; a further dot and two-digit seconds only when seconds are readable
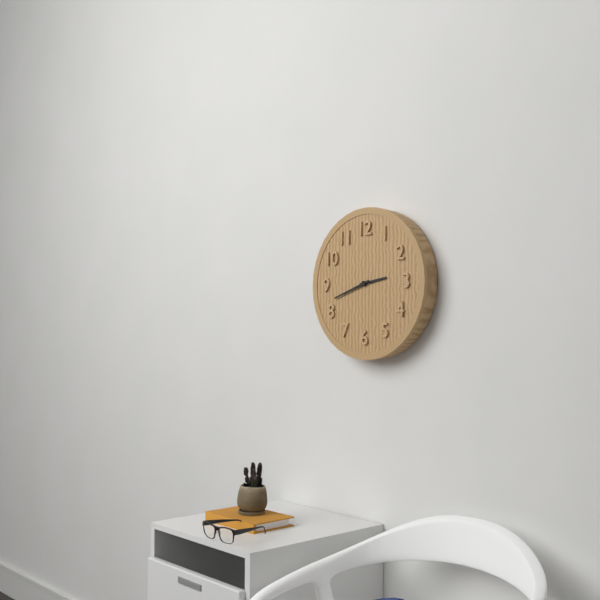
2.42
